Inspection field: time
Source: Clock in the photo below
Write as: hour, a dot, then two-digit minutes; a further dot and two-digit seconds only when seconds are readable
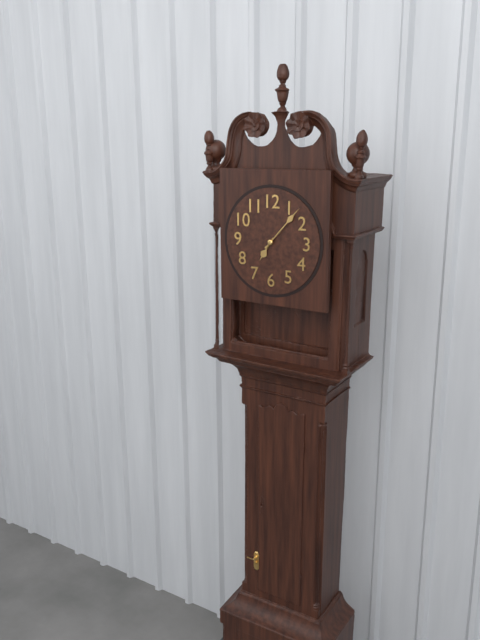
7.07
